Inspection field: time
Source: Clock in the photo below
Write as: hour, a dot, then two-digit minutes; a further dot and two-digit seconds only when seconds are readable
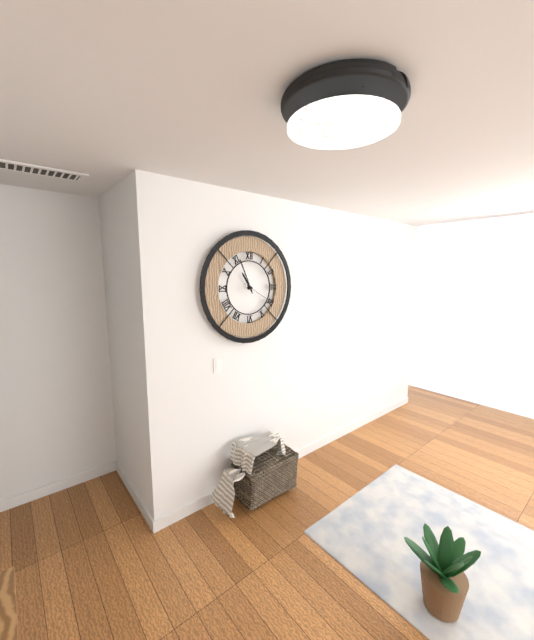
10.56
